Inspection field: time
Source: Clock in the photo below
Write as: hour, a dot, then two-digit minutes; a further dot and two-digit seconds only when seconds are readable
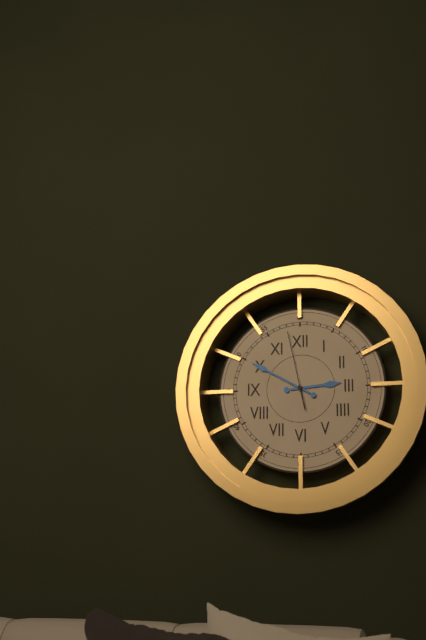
2.50.58
